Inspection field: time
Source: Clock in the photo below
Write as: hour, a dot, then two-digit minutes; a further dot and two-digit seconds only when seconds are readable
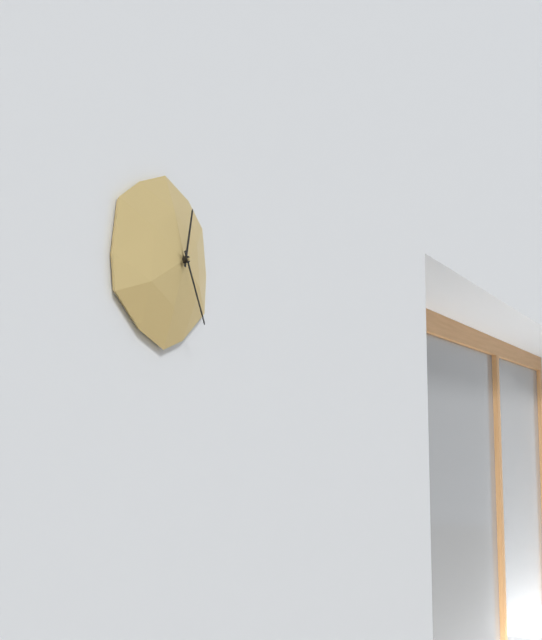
12.25
